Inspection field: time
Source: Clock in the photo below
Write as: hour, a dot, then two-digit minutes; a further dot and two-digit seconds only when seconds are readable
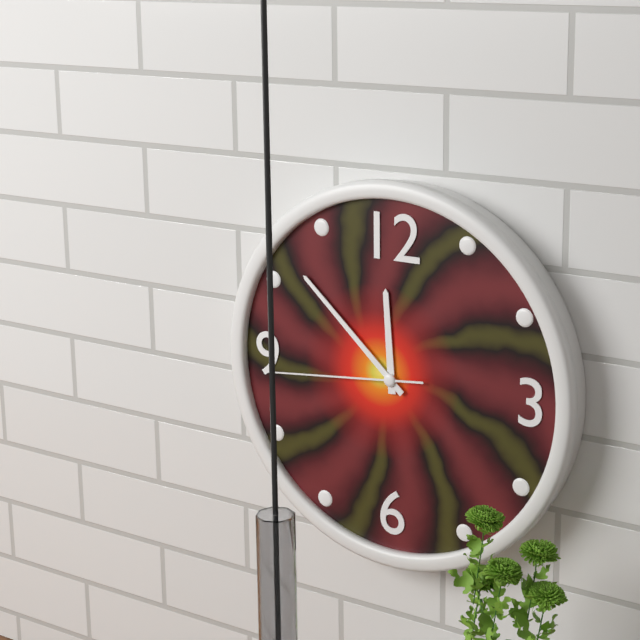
11.52.44
